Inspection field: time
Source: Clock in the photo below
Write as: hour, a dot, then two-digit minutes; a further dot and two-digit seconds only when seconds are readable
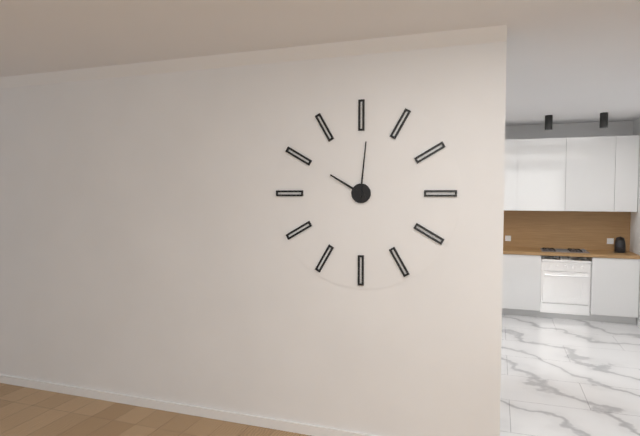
10.01
